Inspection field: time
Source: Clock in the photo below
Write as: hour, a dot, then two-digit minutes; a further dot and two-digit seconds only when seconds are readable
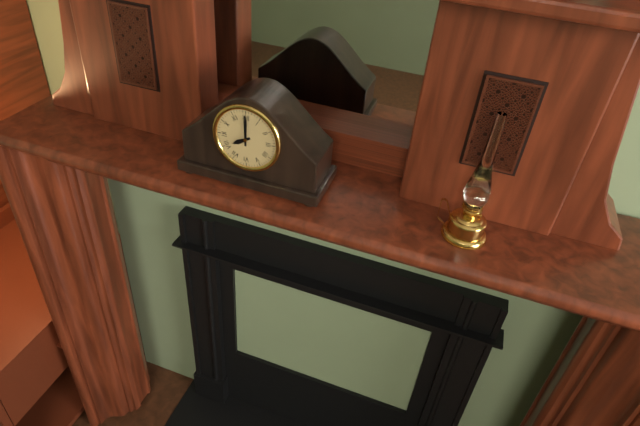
8.00
